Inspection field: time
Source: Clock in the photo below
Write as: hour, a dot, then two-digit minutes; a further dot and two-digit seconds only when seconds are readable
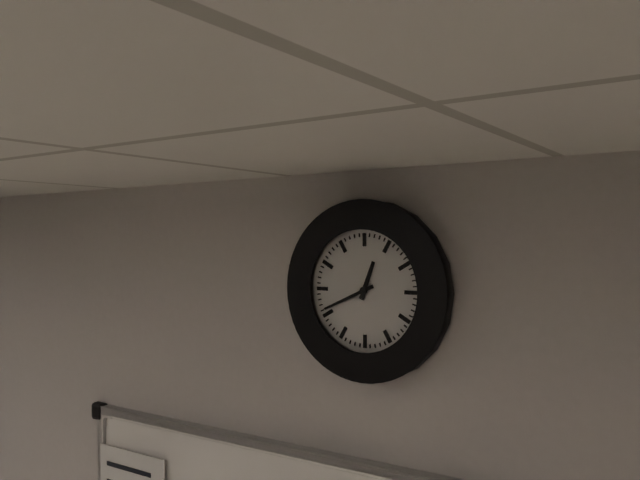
12.41
